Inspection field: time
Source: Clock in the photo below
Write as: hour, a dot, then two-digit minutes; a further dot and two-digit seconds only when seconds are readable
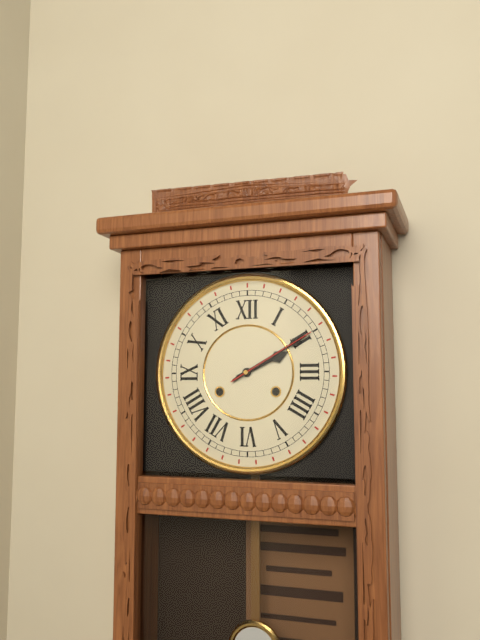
2.10.10
